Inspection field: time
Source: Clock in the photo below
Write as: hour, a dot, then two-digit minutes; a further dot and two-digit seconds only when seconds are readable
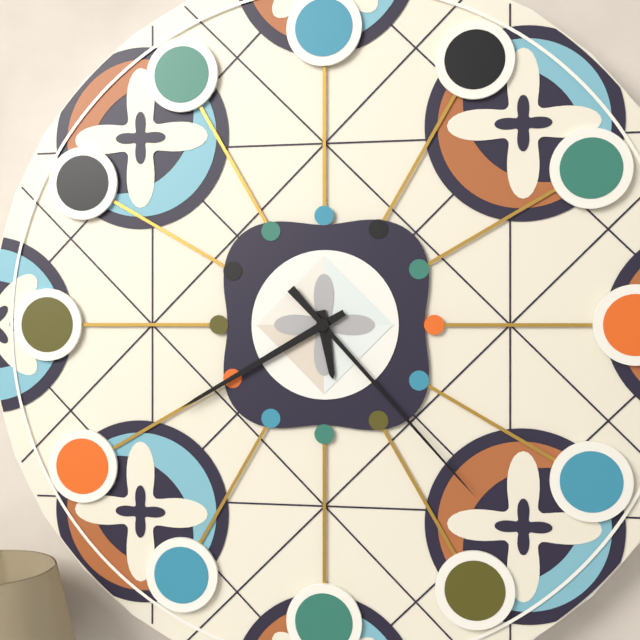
5.40.23
